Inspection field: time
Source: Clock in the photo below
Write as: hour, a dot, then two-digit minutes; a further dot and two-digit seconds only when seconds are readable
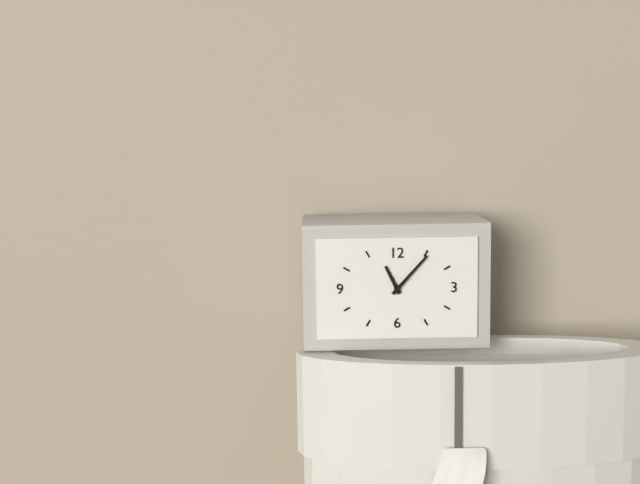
11.07
